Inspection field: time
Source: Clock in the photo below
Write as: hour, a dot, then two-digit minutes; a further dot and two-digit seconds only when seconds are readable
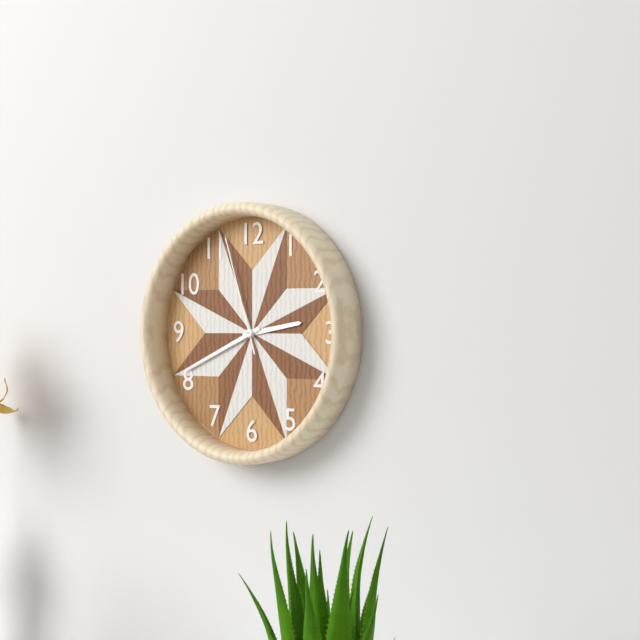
2.41.57
